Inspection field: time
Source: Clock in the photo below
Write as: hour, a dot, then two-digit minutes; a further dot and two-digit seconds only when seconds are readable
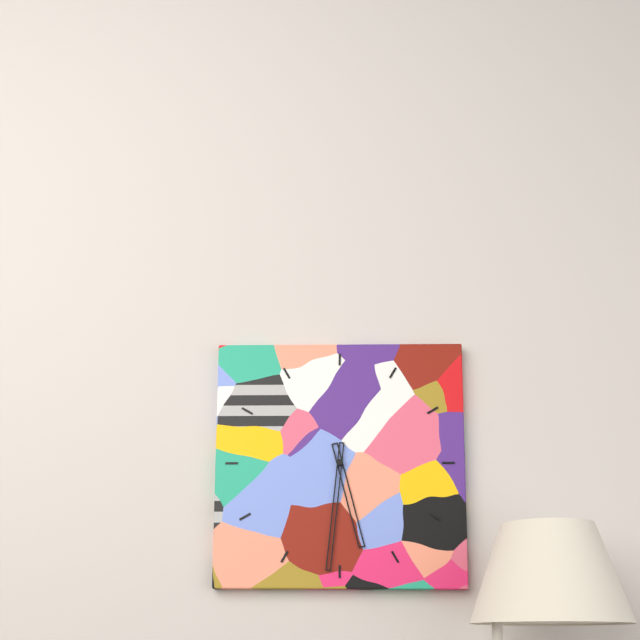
5.31
